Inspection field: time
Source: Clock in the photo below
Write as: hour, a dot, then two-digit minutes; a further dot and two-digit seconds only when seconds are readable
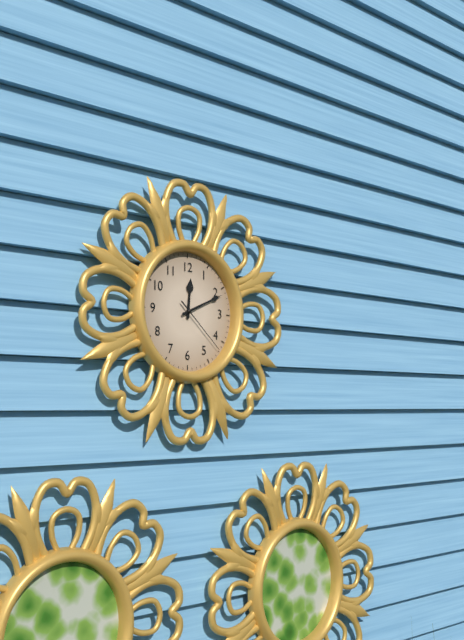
12.11.22
